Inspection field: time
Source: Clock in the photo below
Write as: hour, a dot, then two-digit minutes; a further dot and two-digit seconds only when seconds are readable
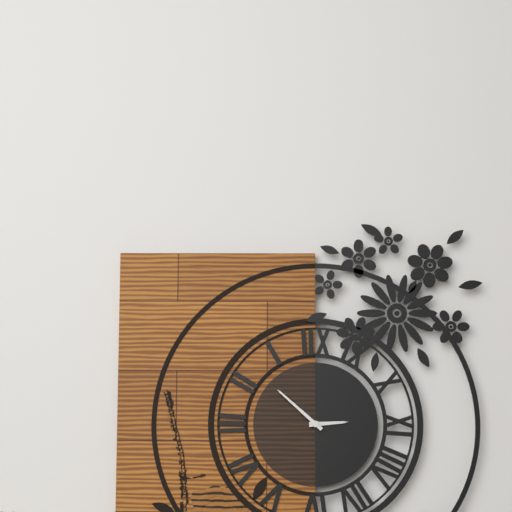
2.52
